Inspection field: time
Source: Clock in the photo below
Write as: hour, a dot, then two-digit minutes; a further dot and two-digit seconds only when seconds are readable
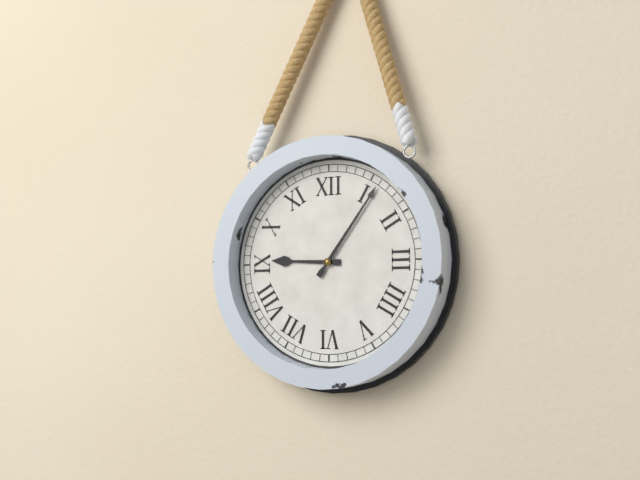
9.06
